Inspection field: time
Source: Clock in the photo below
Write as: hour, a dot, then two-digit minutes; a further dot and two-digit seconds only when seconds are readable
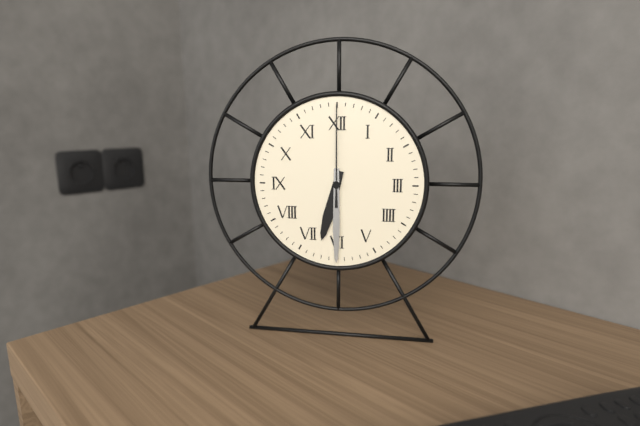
6.30.00
